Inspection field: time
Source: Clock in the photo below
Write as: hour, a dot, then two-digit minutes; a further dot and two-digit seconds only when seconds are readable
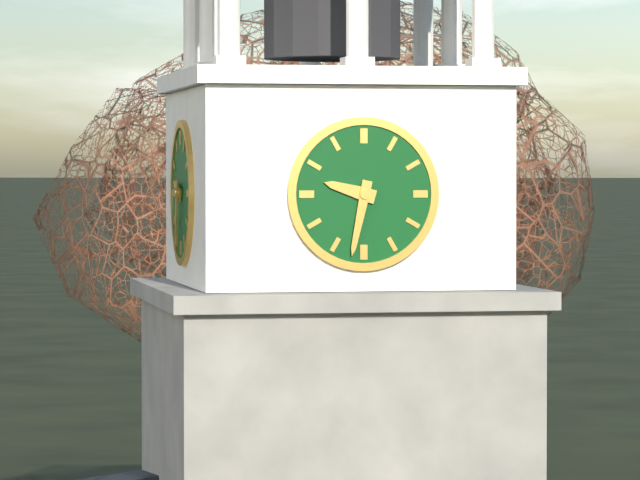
9.32
